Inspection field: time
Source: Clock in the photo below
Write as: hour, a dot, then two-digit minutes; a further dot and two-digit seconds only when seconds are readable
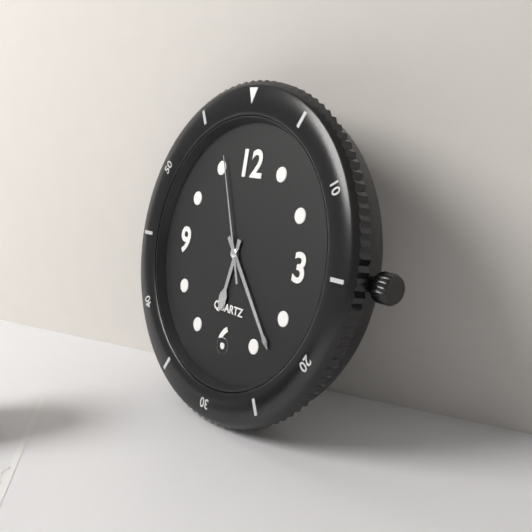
6.23.56
